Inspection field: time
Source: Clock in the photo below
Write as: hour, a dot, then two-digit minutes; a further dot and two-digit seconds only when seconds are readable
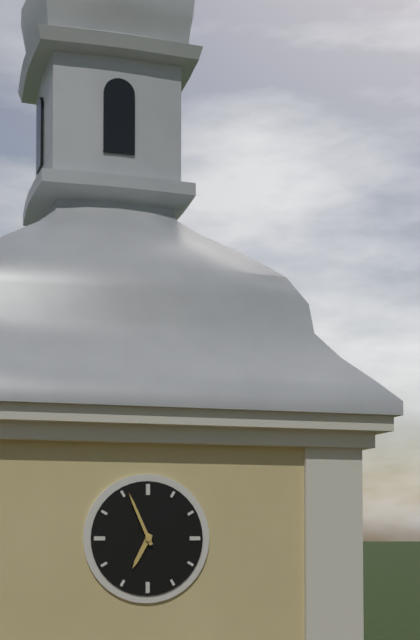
6.56
